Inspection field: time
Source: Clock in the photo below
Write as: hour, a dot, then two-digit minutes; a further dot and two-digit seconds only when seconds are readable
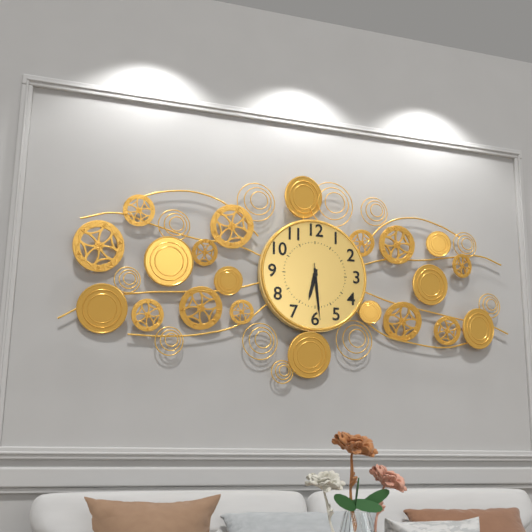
6.29.29
